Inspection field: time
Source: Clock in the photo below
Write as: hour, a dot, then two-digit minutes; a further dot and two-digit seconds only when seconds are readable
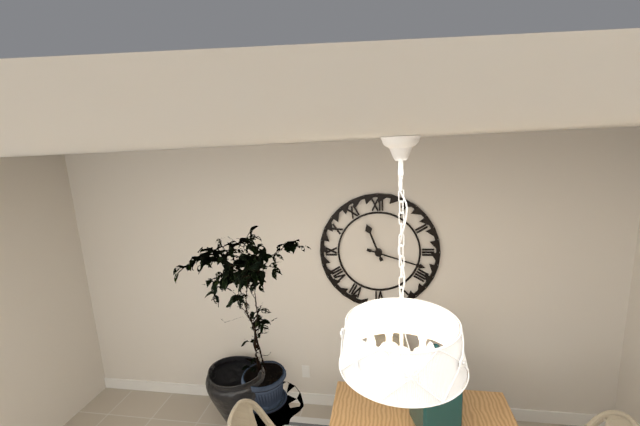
11.18
